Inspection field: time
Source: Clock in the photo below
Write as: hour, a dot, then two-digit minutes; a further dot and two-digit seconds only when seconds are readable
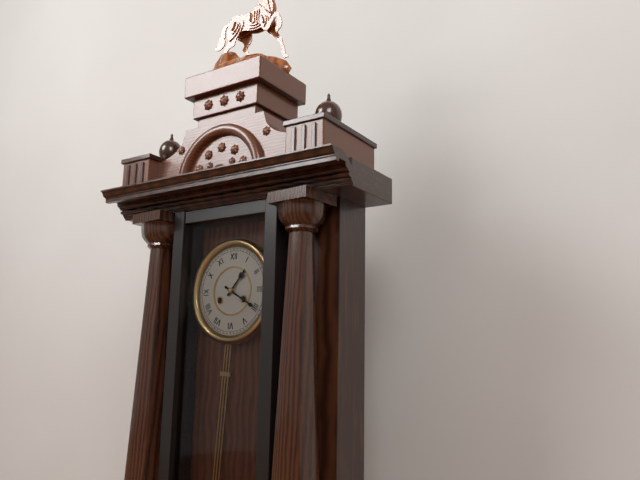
1.20
